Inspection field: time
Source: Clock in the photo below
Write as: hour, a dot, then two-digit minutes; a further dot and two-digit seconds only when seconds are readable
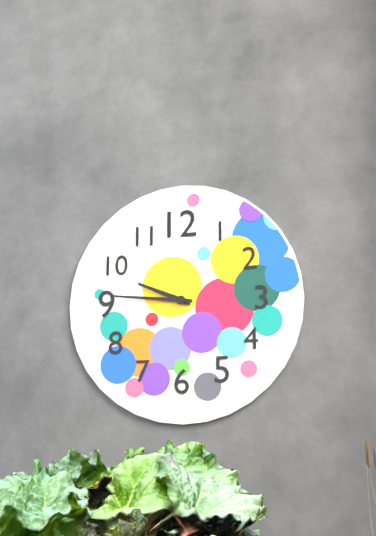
9.46
